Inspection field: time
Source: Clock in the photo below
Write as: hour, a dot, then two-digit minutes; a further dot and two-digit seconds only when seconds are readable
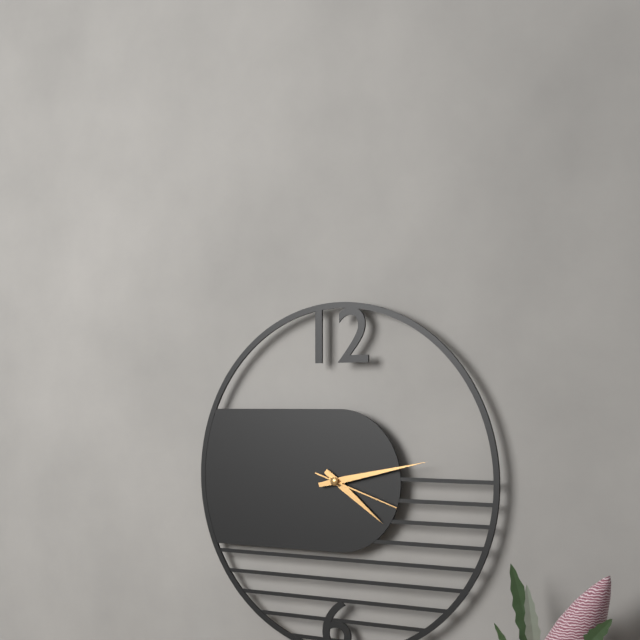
4.13.18
